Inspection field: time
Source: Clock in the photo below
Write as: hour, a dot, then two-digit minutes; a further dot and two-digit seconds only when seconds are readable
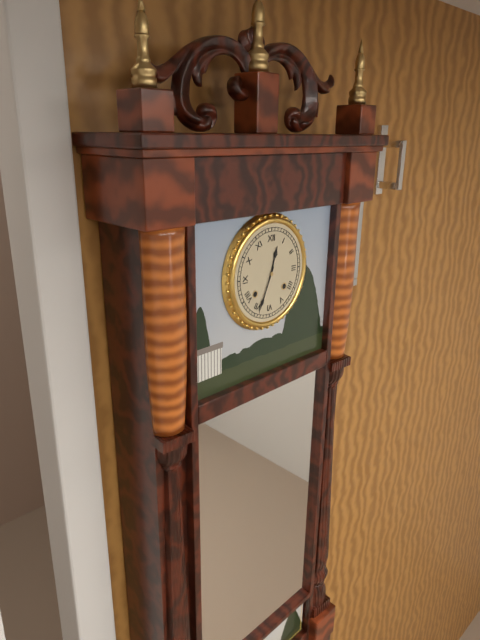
12.34
